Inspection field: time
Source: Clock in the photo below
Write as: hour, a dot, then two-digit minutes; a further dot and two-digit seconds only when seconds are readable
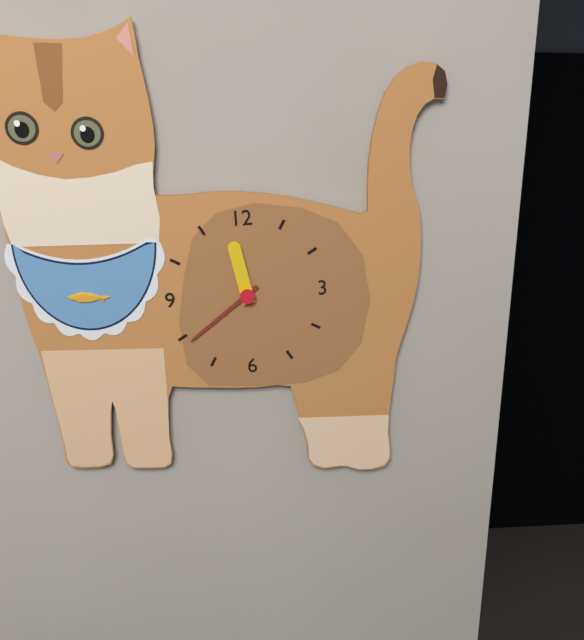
11.39
